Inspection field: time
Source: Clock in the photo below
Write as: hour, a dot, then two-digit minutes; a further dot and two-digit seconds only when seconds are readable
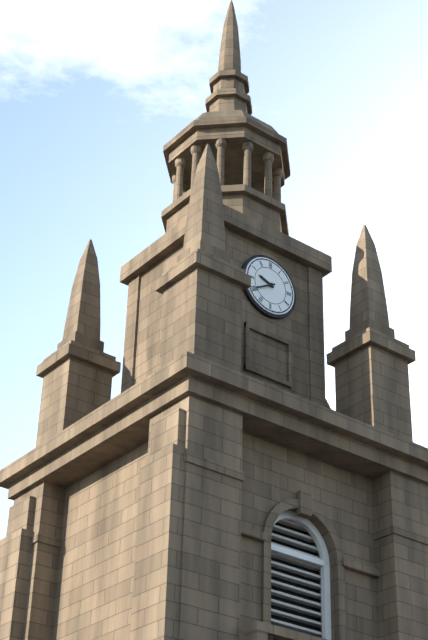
9.40
